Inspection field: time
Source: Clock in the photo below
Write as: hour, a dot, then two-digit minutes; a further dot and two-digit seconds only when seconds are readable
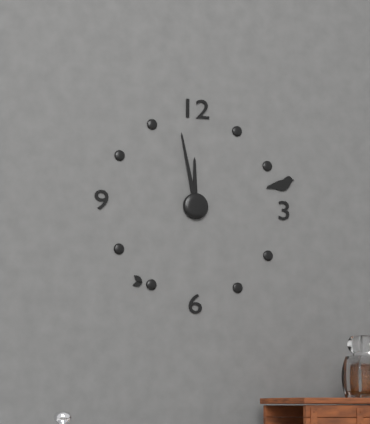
11.58
